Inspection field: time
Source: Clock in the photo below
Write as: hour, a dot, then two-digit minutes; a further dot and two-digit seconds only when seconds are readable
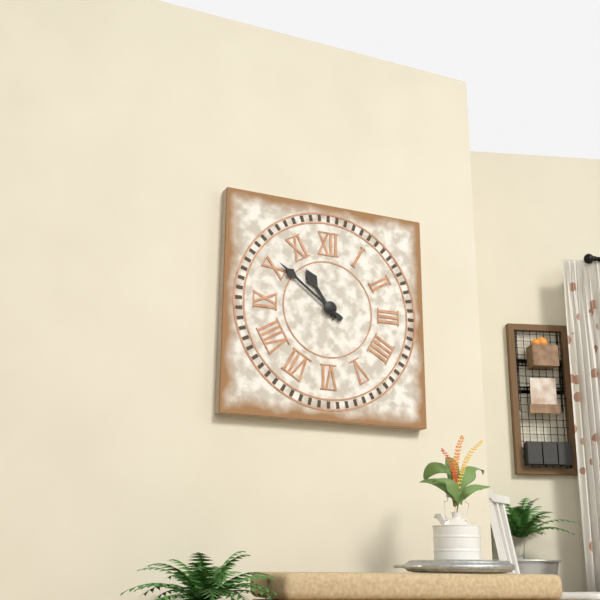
10.51
